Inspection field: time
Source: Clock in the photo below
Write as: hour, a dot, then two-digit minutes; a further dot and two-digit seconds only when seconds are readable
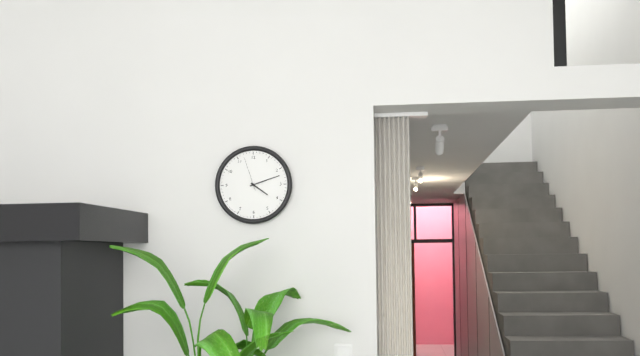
4.12
